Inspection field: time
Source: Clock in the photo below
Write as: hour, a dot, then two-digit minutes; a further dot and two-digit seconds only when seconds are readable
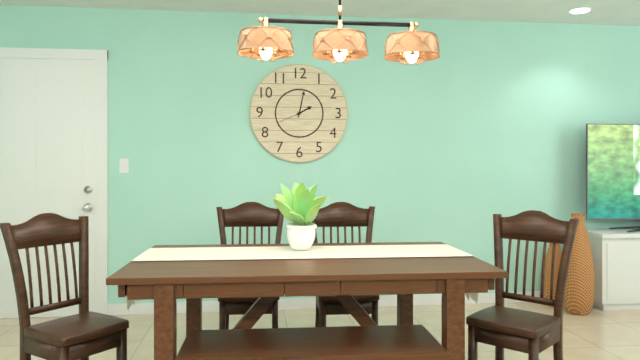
2.02
